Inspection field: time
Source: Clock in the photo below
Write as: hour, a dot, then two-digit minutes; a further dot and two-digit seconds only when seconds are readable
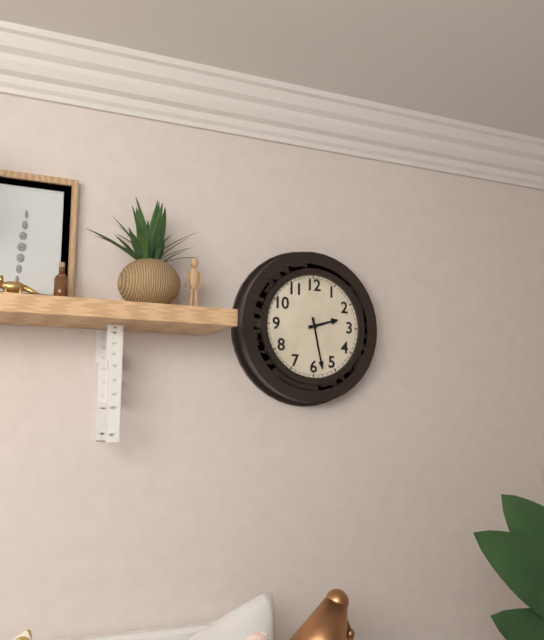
2.28
